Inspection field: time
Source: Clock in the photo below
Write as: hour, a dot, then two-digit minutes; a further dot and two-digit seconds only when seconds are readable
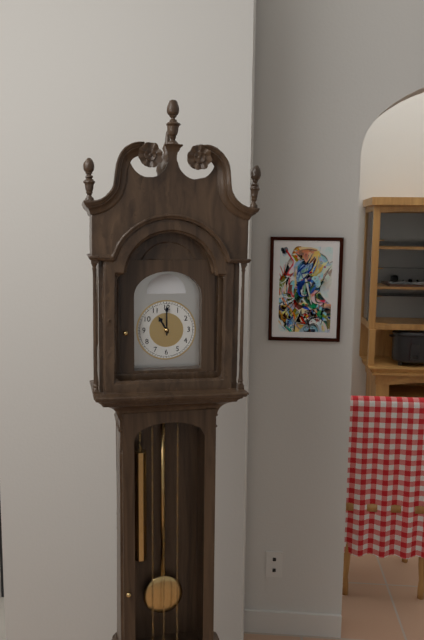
11.00
